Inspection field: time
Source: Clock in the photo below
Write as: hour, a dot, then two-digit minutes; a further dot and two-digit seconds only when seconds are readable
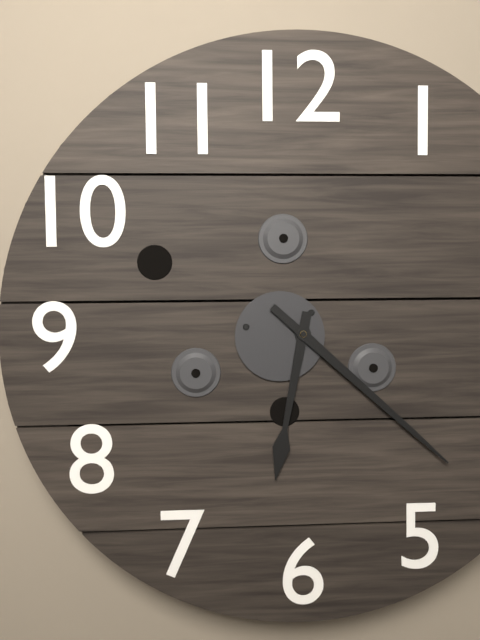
6.22
